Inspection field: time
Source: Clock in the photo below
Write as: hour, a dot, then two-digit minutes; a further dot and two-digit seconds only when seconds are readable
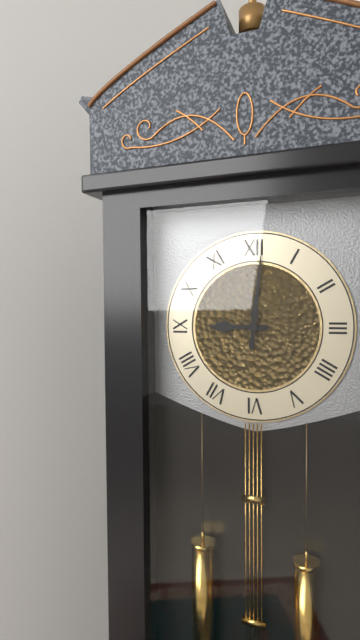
9.01
